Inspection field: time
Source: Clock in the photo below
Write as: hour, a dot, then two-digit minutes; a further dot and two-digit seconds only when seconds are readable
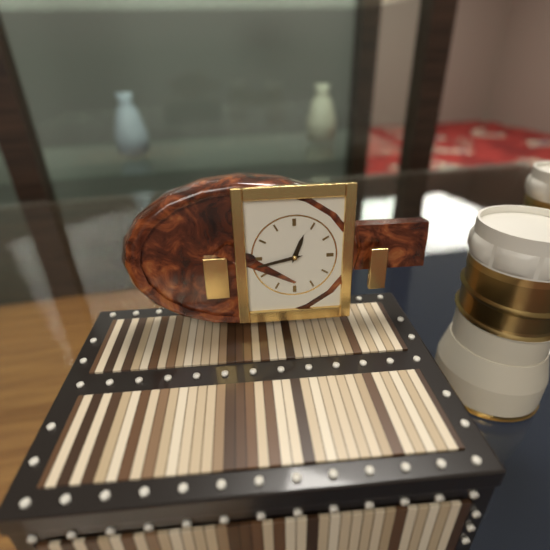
12.43
